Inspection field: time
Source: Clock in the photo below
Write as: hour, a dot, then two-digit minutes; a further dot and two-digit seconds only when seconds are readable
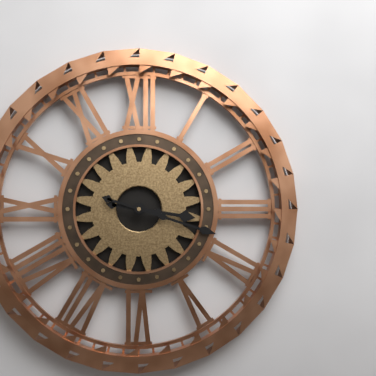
3.18
